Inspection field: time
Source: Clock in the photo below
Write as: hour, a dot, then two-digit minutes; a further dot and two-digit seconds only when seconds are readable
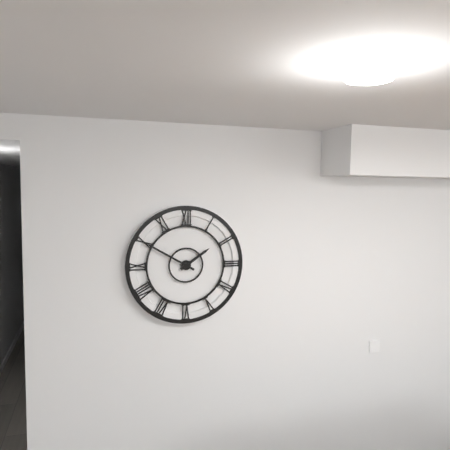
1.50
